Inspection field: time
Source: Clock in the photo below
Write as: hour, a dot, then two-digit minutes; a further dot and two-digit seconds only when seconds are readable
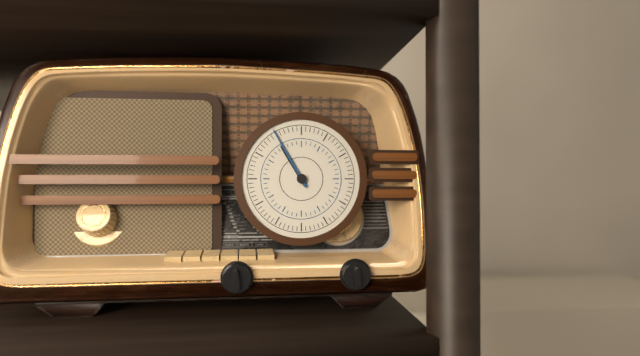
10.55
